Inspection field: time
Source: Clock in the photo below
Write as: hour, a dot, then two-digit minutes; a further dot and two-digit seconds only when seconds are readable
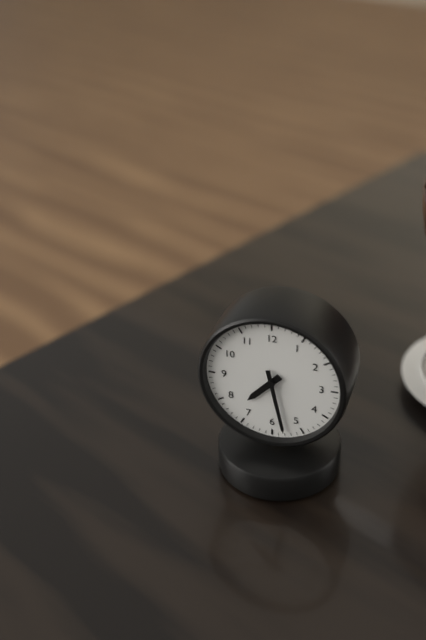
7.28
